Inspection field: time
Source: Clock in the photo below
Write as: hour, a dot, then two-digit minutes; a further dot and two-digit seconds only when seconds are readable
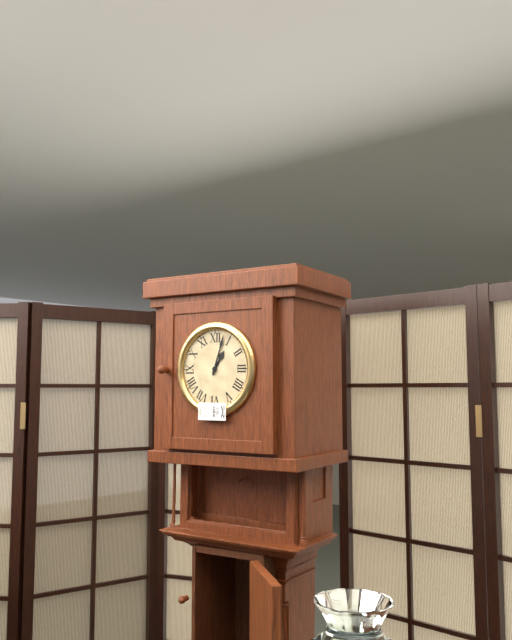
1.03
